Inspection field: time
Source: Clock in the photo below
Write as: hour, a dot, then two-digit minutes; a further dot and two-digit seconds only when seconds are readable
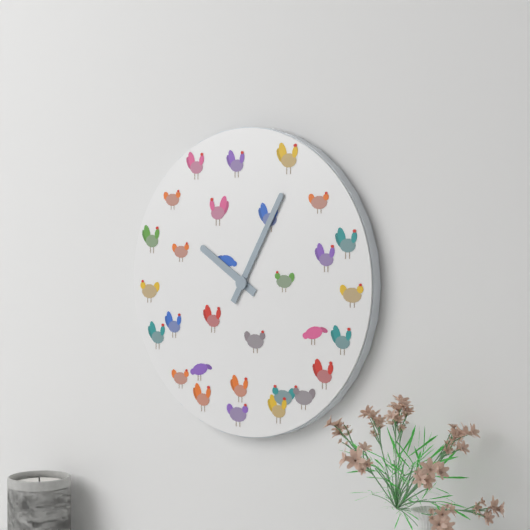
10.05
